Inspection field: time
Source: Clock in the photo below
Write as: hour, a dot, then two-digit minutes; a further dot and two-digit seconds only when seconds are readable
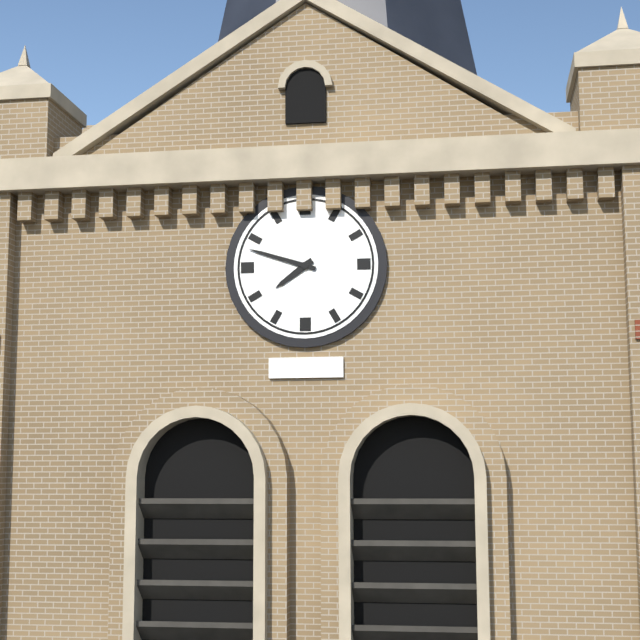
7.48
